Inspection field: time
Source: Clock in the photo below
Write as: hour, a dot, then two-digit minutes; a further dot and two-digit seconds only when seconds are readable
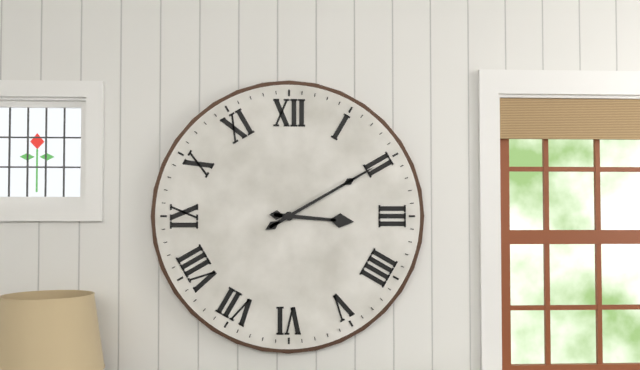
3.10
